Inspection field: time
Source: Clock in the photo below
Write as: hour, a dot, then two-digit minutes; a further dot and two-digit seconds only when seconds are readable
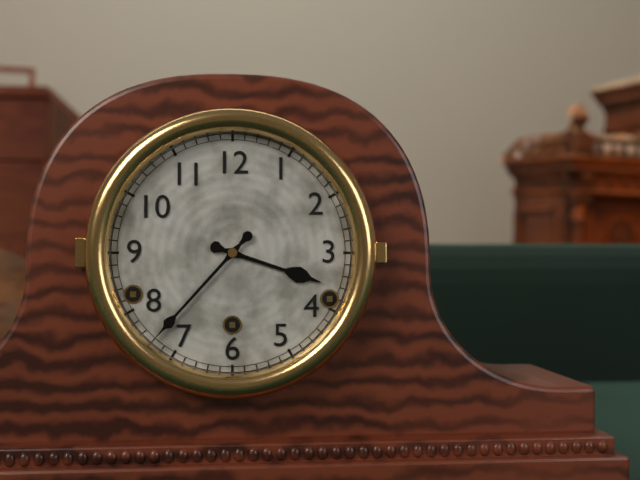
3.37
